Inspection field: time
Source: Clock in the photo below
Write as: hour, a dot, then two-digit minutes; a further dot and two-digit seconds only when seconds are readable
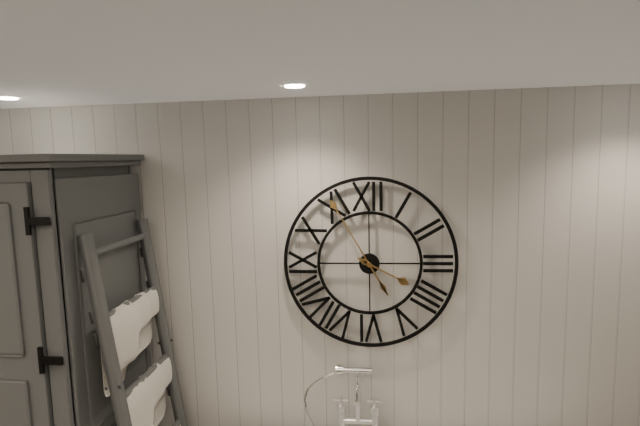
3.55
